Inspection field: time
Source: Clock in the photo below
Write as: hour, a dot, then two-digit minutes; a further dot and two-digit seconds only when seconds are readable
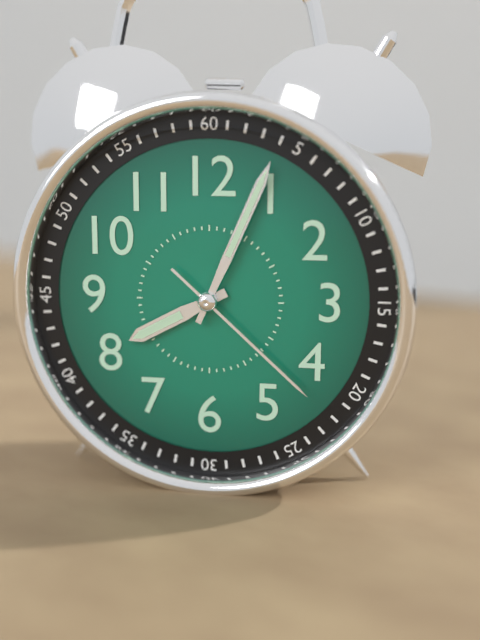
8.04.22
